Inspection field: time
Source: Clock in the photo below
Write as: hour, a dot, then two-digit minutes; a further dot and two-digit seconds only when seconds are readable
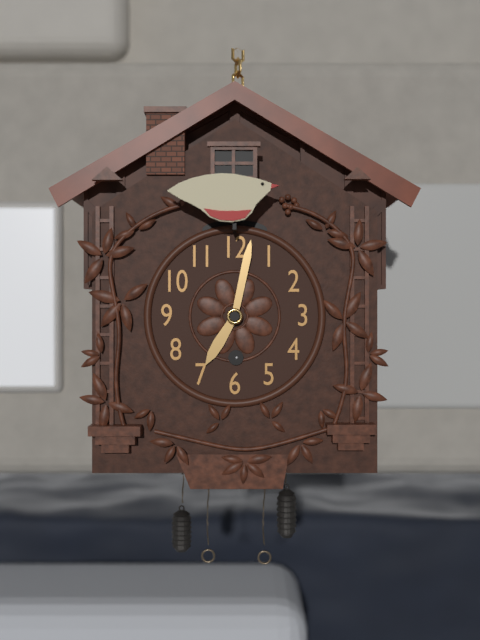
7.02
